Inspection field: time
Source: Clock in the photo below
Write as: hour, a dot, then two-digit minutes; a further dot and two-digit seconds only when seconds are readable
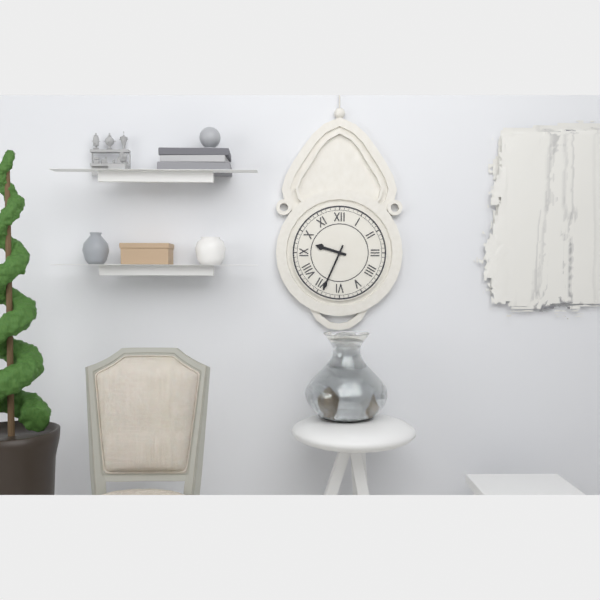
9.34
